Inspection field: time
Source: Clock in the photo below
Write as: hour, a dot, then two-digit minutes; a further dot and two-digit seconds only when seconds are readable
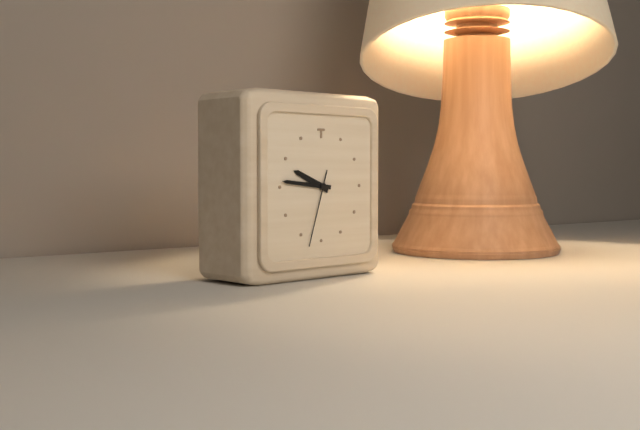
9.46.33
